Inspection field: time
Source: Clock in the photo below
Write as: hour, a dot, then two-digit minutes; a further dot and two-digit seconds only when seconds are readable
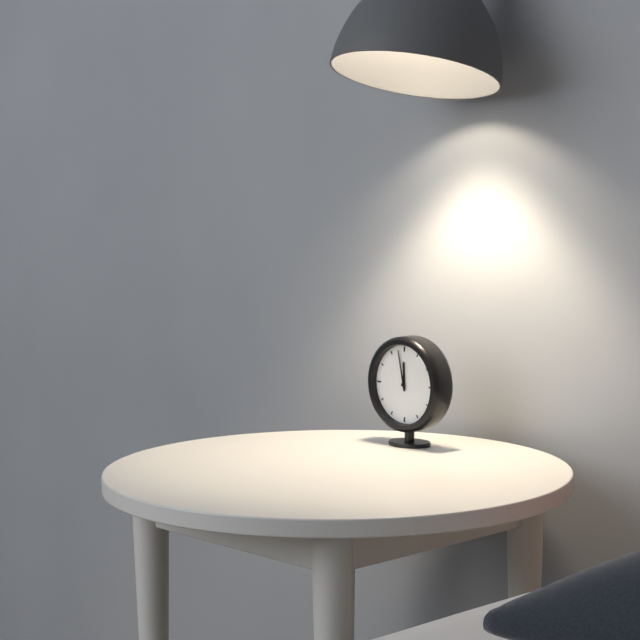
11.58
